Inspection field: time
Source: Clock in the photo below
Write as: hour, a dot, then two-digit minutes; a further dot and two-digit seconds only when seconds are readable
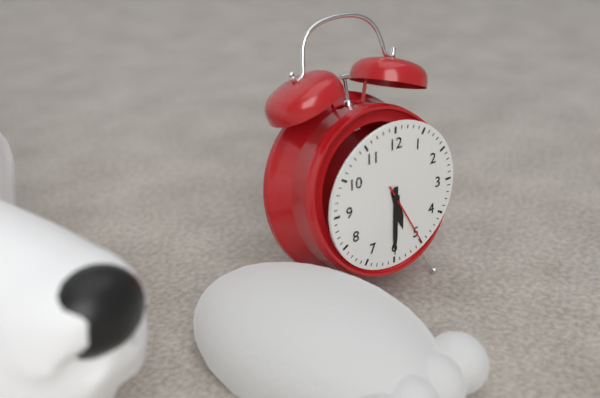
5.30.25
